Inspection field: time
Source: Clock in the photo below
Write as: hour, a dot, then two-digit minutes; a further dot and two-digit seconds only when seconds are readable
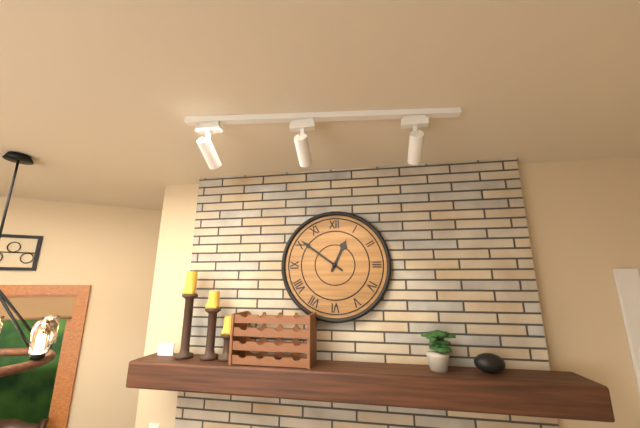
12.51
